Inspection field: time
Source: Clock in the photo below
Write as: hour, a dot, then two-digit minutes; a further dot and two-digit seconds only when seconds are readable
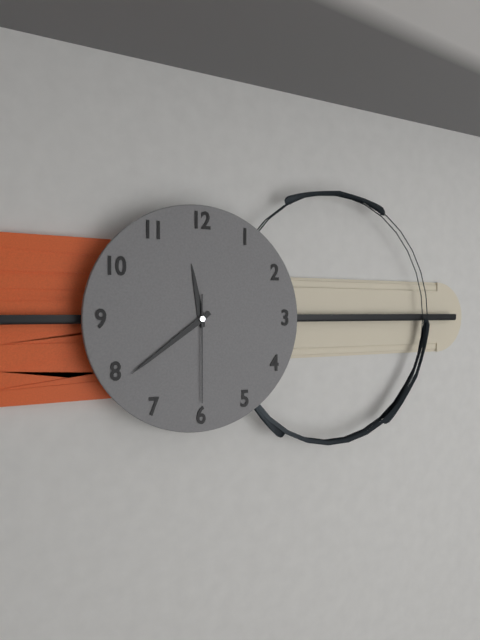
11.39.30
